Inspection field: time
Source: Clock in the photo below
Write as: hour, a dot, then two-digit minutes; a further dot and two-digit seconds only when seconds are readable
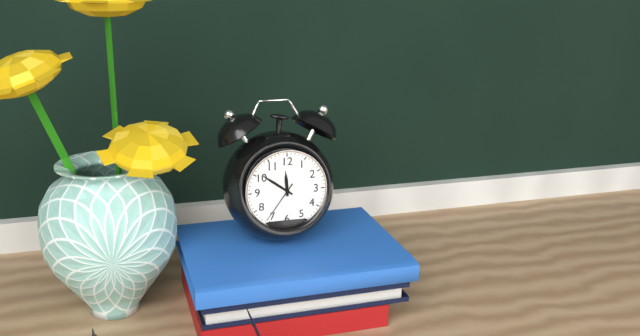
11.51
